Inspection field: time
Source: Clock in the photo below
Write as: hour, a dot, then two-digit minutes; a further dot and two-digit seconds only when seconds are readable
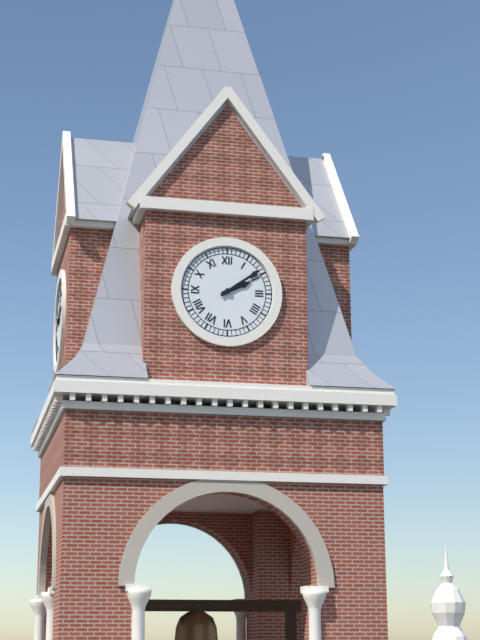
2.09
